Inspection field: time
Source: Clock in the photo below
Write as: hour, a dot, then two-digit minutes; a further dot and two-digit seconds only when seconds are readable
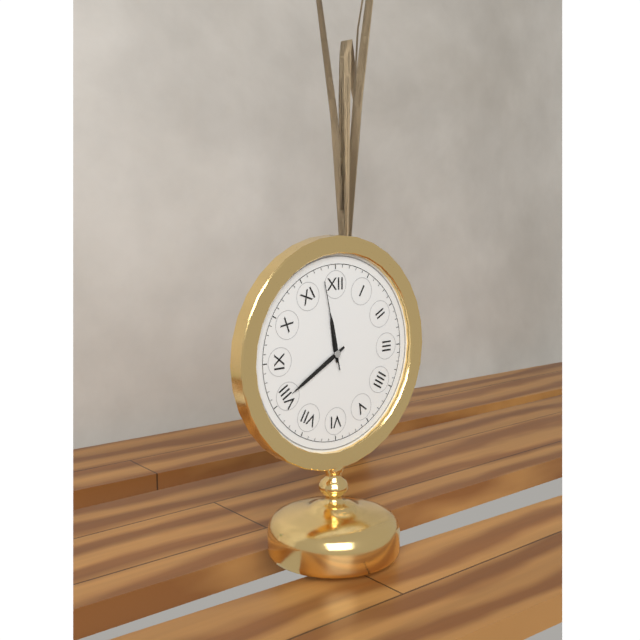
11.40.58
